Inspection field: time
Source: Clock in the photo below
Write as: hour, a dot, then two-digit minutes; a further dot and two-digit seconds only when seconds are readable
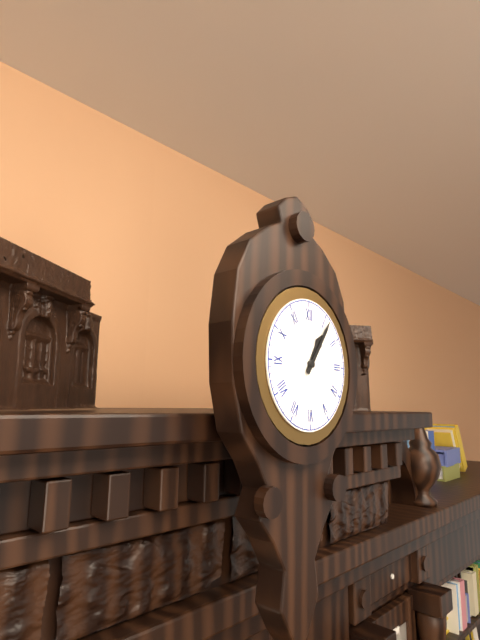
1.06
